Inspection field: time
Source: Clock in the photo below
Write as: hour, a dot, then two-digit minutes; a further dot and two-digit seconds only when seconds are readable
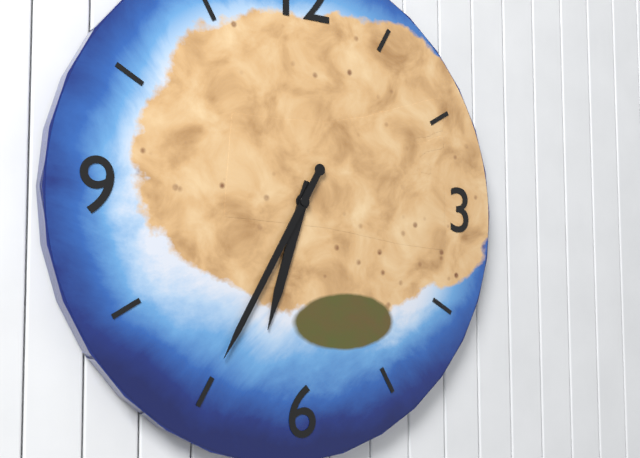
6.35
